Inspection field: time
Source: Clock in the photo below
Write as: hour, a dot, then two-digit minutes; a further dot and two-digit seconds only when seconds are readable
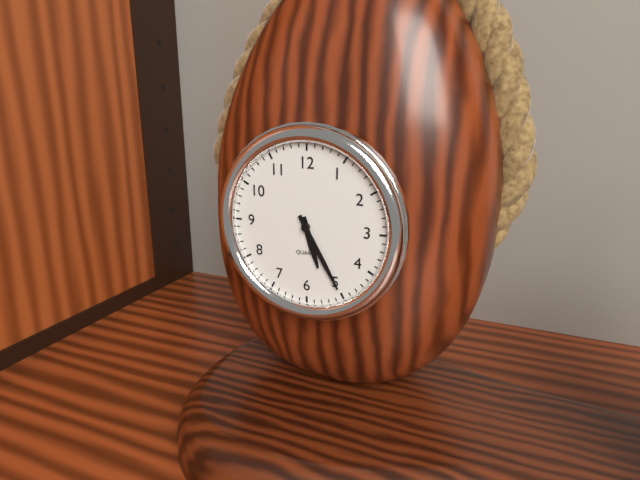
5.25
